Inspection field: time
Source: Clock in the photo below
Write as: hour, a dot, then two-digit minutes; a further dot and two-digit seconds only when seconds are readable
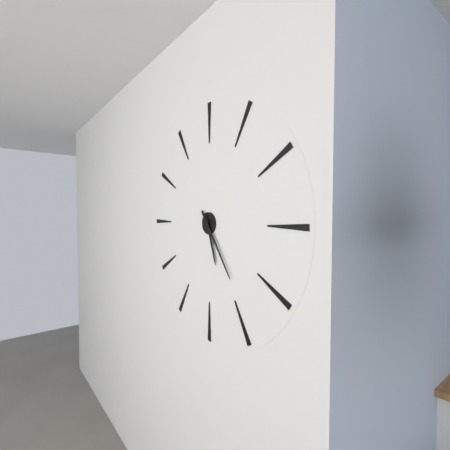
5.24
